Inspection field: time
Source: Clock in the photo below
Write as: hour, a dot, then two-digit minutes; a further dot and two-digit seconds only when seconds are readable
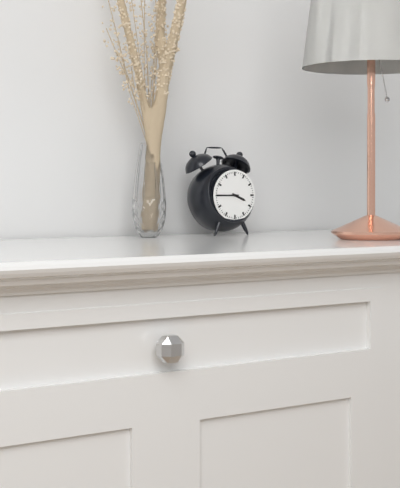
3.45
